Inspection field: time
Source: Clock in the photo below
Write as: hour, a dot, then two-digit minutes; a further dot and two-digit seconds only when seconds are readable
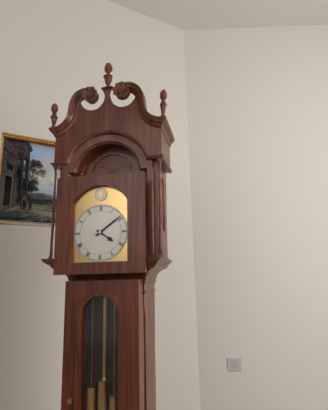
4.09
